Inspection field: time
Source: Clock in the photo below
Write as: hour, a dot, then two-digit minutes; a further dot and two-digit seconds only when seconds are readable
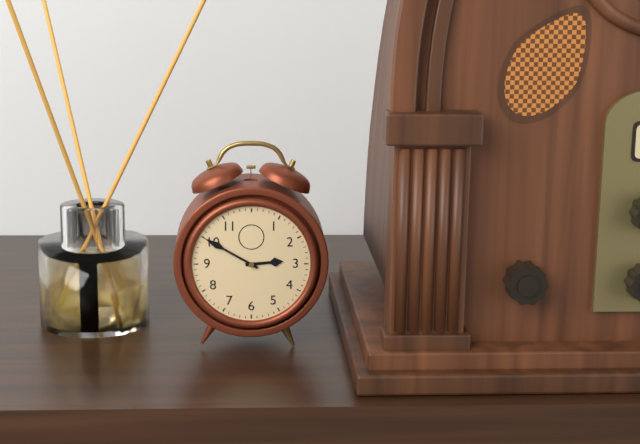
2.50
